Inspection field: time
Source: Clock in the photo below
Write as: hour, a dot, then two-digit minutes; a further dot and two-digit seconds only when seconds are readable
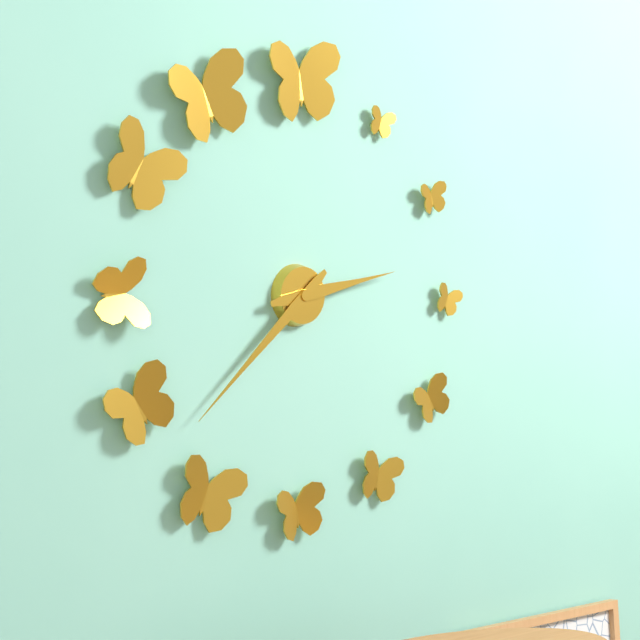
2.38
